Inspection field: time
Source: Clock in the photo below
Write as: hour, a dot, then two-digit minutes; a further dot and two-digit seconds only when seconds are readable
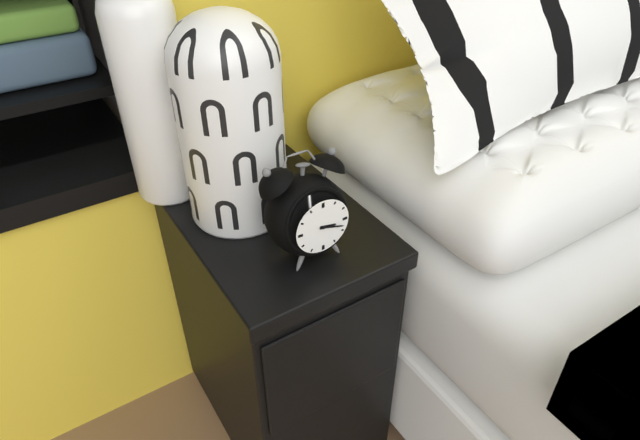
3.18
